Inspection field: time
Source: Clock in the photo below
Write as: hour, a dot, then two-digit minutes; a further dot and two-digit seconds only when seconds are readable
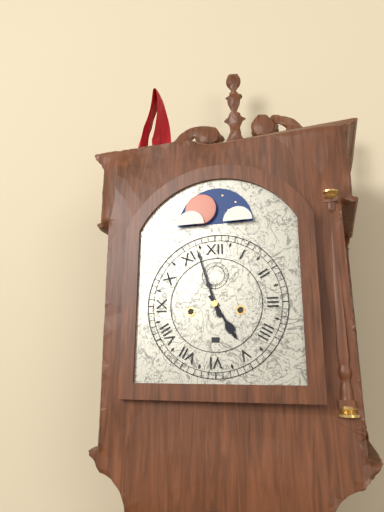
4.57
